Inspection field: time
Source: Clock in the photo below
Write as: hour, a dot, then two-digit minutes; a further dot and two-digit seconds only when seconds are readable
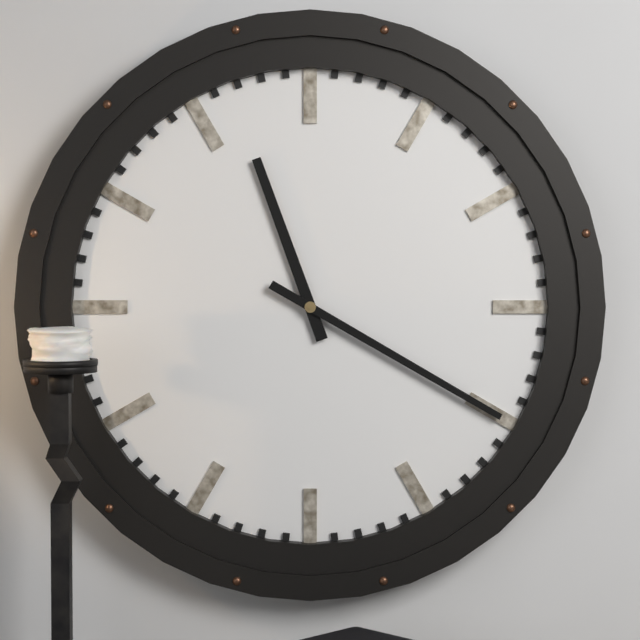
11.20
